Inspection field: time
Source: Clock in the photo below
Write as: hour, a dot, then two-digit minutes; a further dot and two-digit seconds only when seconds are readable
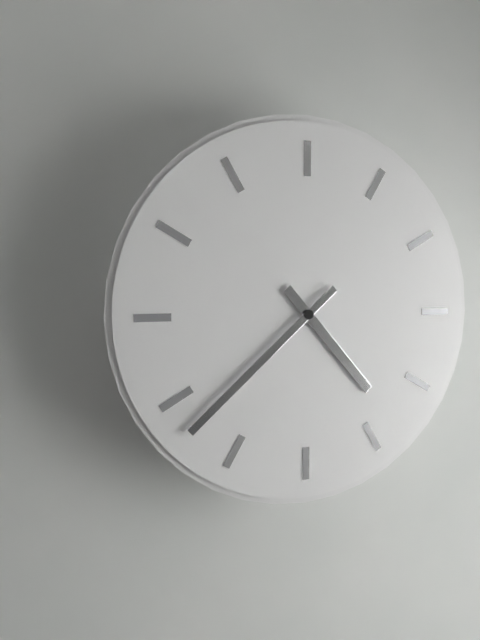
4.38
